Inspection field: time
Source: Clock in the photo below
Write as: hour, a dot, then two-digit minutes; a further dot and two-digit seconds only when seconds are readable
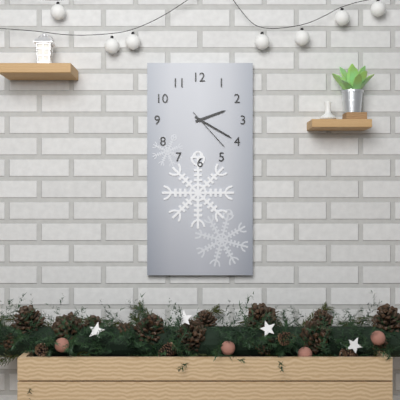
2.20
